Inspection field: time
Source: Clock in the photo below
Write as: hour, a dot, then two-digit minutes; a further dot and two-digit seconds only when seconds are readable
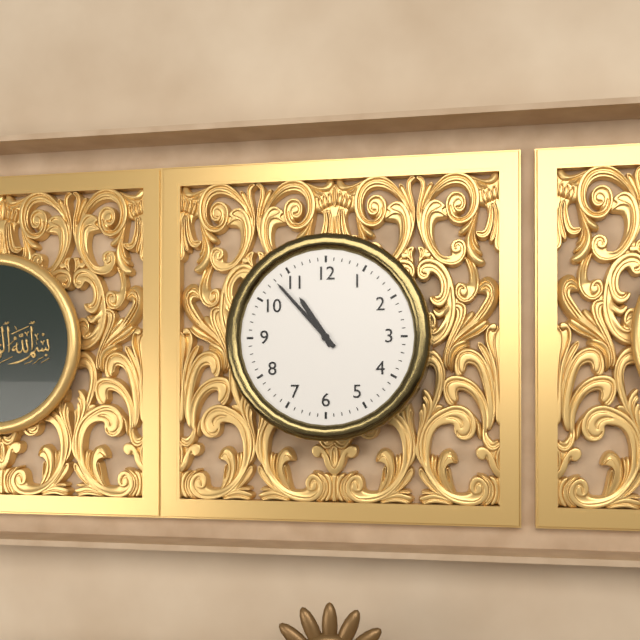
10.53
